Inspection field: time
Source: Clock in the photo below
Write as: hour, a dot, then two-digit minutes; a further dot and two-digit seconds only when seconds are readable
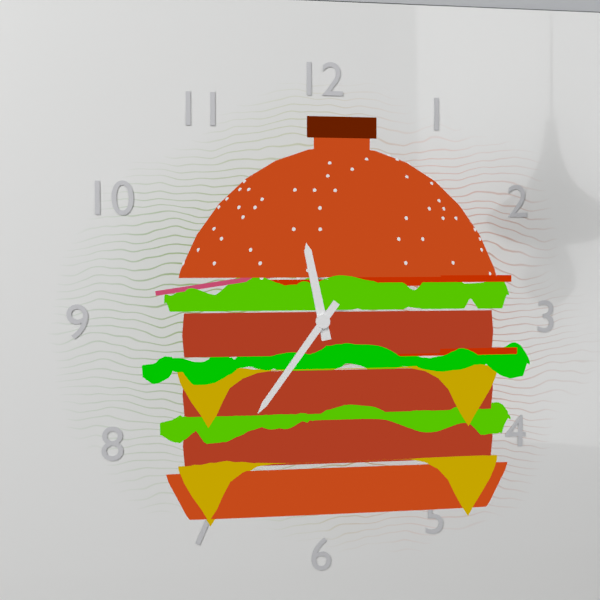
11.36
